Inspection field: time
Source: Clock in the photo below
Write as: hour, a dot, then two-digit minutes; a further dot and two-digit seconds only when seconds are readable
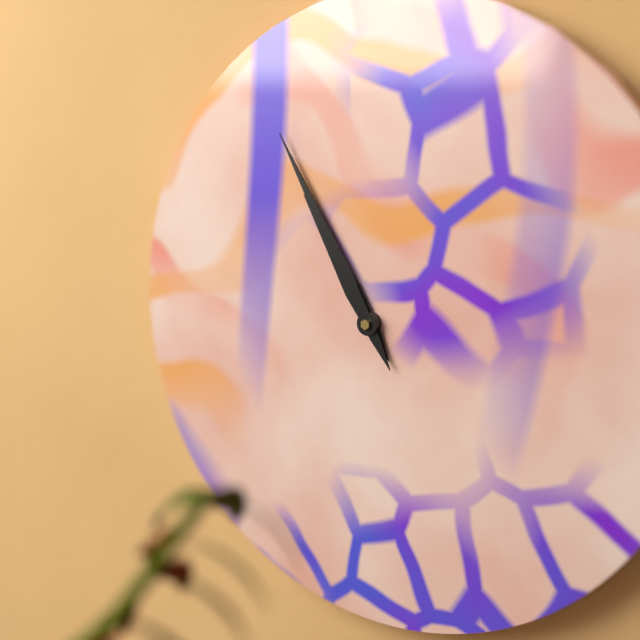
10.55
